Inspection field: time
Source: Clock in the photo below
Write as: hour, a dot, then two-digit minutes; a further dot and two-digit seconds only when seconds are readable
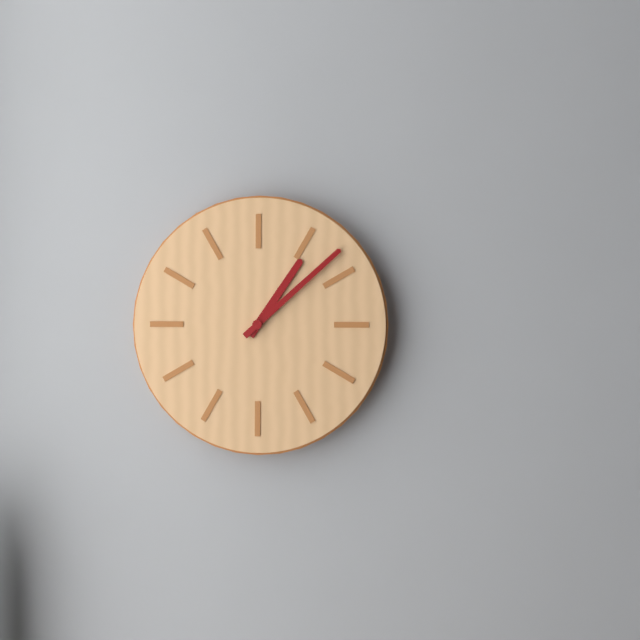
1.08
